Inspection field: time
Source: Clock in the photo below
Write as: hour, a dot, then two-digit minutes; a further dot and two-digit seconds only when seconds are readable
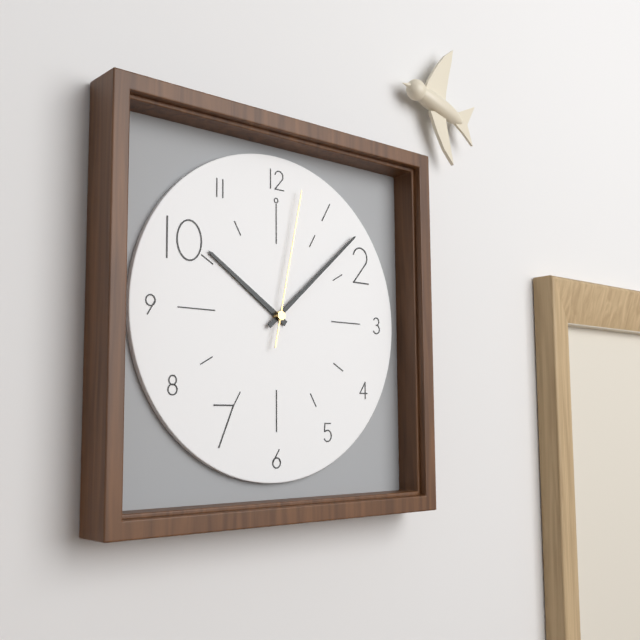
10.08.02
